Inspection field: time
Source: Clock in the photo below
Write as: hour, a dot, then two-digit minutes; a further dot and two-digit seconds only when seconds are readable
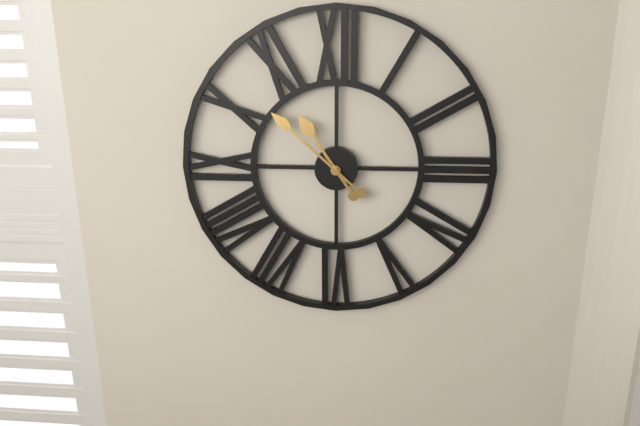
10.52
